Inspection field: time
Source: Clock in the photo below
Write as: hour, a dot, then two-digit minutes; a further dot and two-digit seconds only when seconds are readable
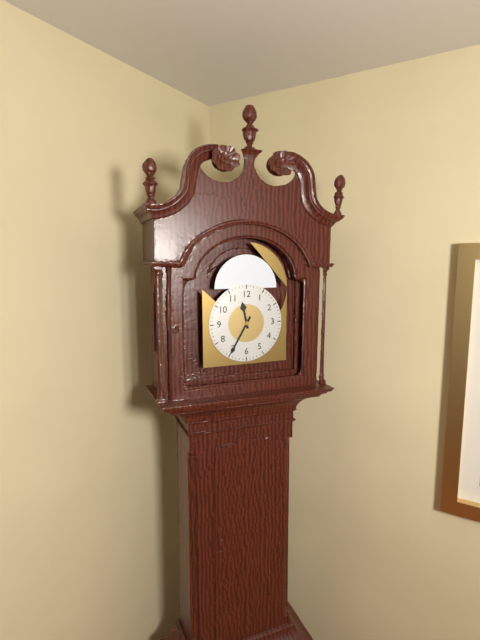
11.35
